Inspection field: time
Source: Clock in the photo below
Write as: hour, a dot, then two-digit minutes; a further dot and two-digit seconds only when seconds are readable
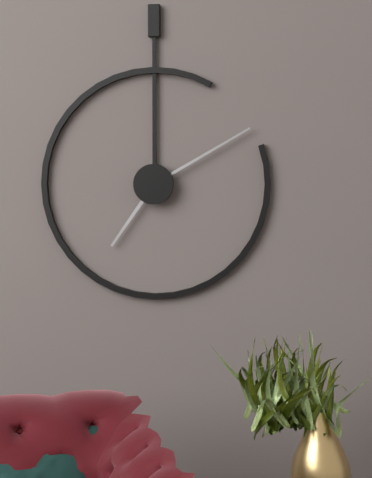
7.10
